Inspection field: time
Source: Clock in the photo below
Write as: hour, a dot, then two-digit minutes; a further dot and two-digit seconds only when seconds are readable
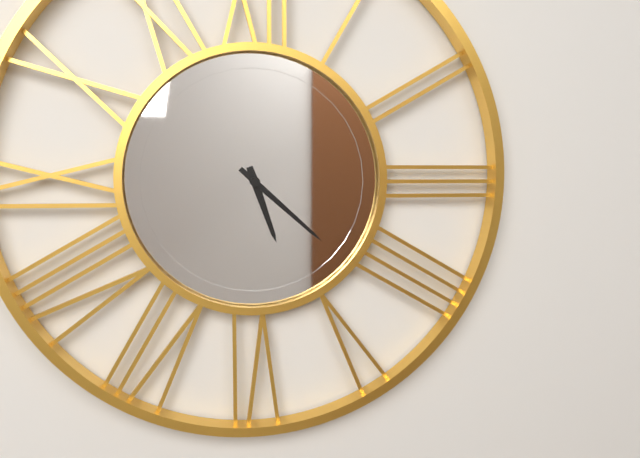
5.22
